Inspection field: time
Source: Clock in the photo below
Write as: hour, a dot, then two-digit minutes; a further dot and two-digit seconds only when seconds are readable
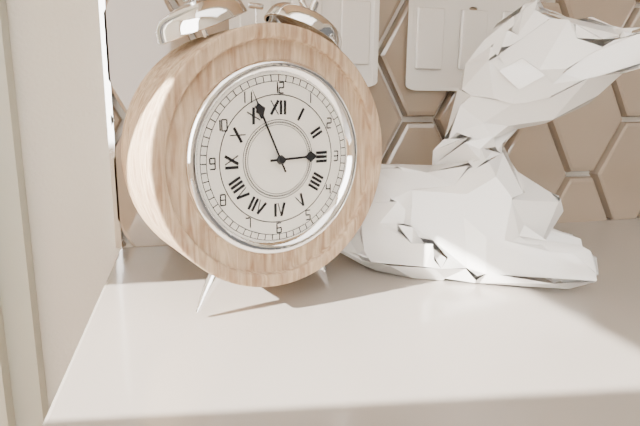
2.56
